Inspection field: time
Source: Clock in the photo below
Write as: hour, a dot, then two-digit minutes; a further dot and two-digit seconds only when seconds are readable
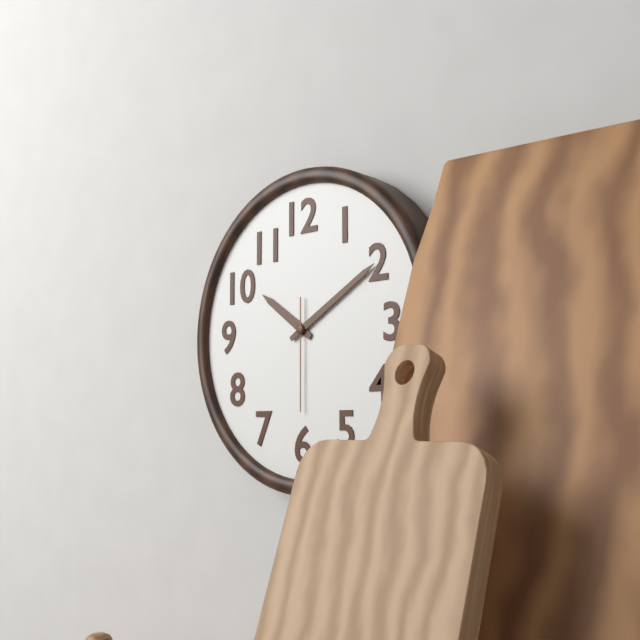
10.10.30
